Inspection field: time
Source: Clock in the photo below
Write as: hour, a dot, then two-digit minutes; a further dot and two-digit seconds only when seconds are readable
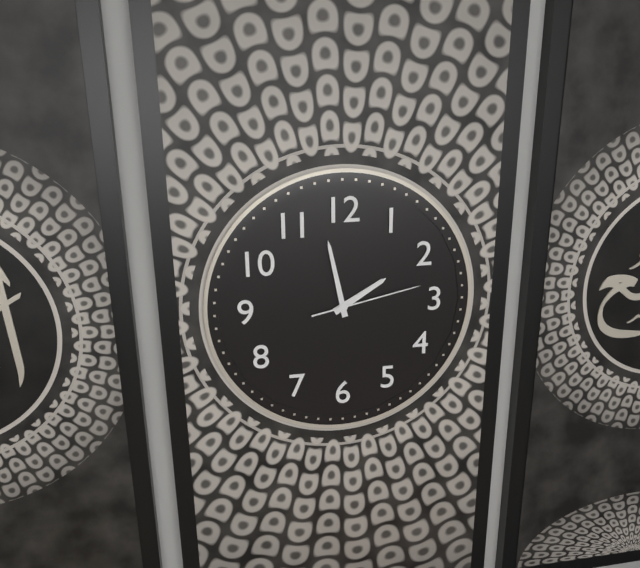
1.58.13
